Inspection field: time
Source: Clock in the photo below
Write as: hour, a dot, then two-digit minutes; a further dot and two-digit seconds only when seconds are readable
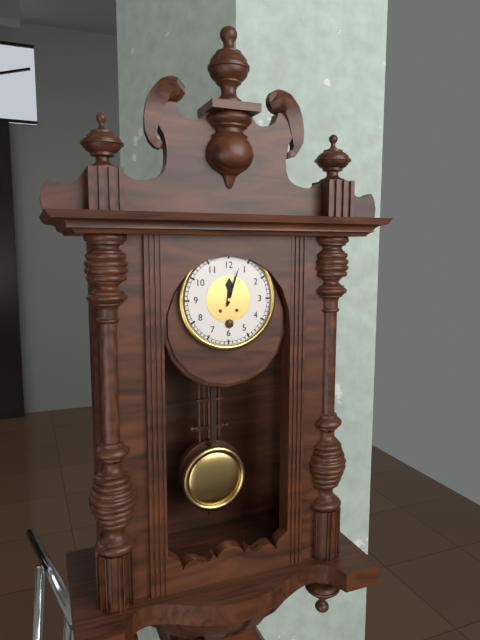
12.03
